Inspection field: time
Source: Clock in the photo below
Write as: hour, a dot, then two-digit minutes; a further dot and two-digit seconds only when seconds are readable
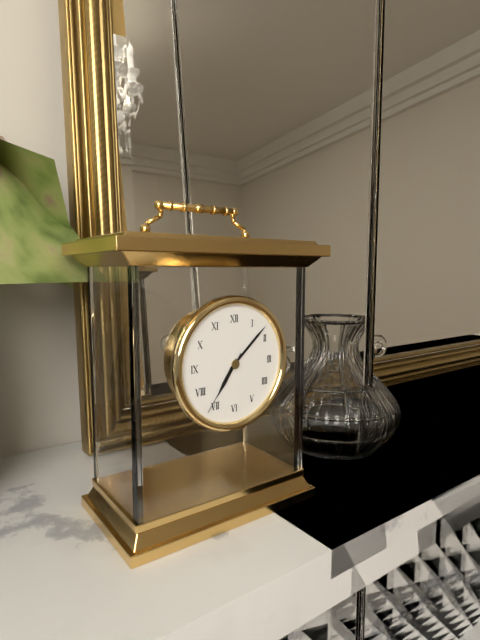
7.08.36
